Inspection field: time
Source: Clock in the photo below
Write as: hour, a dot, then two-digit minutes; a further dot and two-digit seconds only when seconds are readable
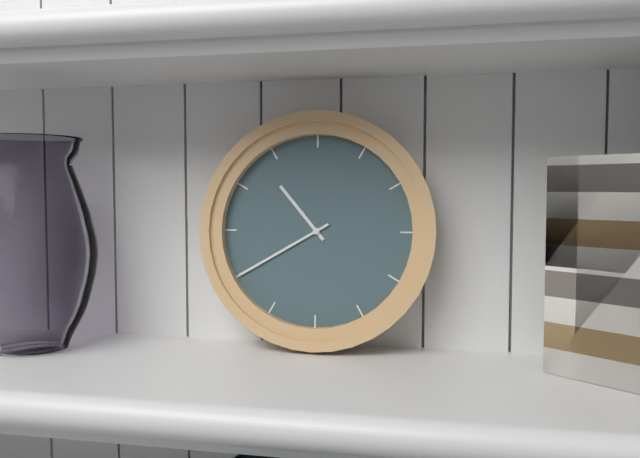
10.40
